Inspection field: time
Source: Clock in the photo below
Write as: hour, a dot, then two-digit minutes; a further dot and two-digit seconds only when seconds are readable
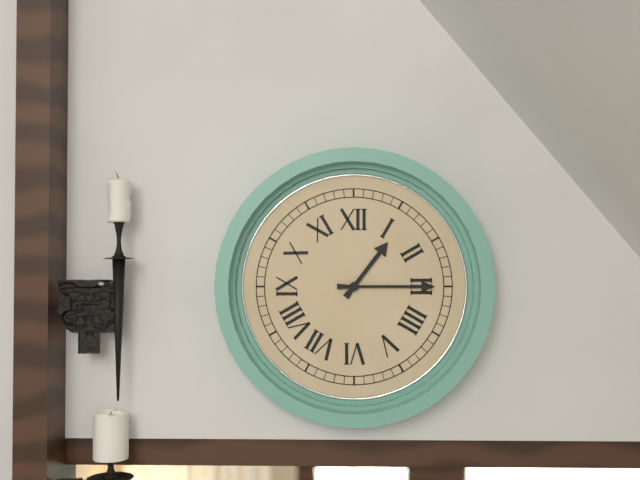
1.15
